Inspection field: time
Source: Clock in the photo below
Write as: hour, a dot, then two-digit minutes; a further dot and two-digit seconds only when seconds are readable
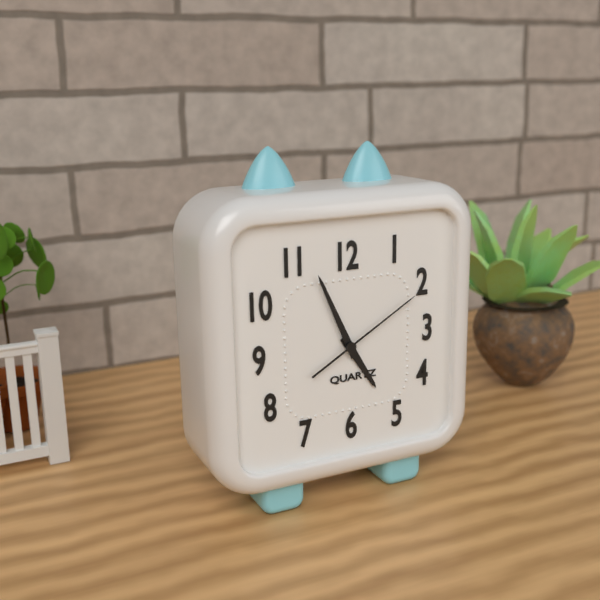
4.56.10
